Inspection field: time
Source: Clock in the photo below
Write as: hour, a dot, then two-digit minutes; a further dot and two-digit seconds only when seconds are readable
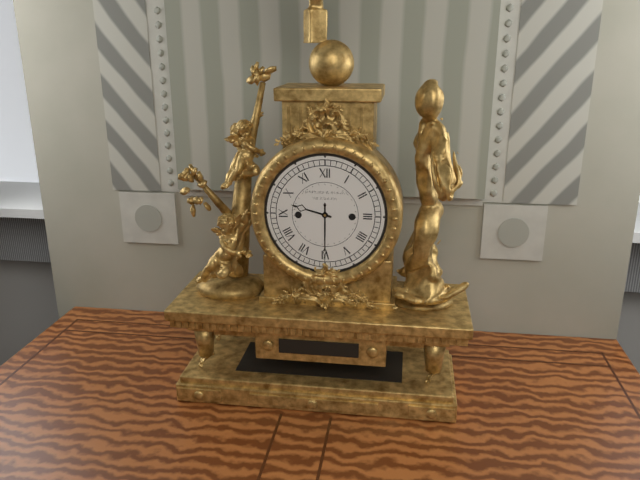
9.30
